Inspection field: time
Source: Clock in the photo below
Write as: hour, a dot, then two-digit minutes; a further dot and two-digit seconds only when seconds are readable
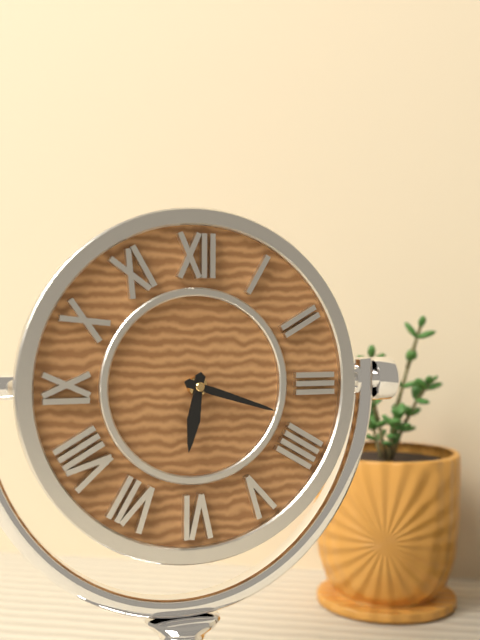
6.18
